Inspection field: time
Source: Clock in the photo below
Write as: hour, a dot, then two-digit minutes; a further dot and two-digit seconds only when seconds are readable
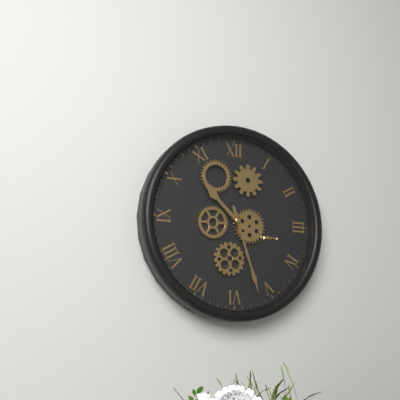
10.27
